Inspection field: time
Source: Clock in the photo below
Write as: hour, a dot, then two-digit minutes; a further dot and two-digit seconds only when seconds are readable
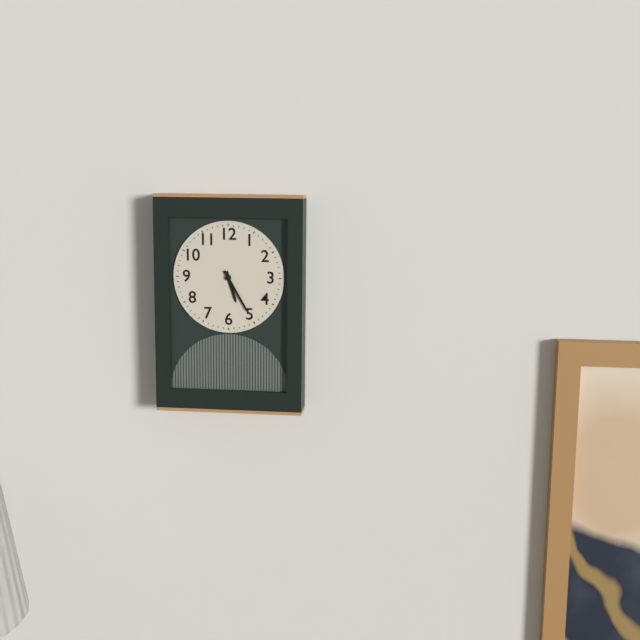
5.25
